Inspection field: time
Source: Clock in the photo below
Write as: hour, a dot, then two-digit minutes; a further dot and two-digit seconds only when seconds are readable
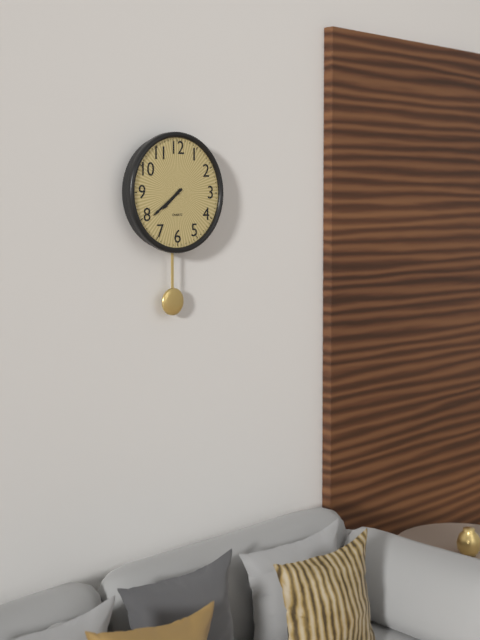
7.39
